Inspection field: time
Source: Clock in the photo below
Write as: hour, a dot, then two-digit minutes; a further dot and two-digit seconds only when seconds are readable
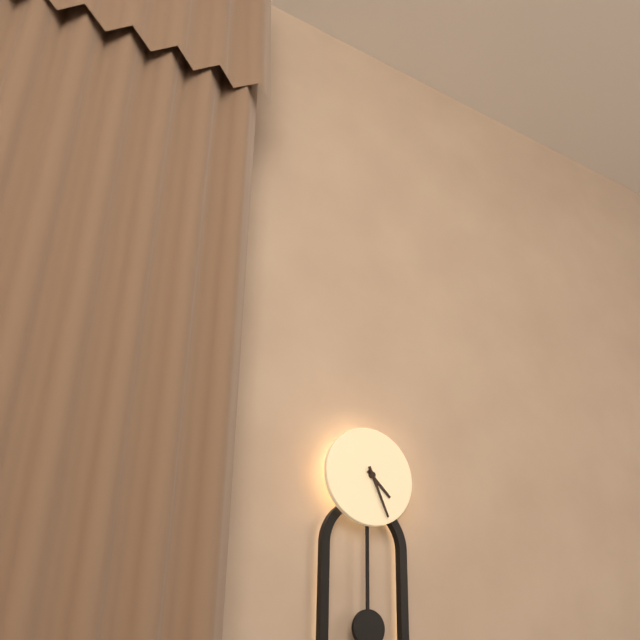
4.26
